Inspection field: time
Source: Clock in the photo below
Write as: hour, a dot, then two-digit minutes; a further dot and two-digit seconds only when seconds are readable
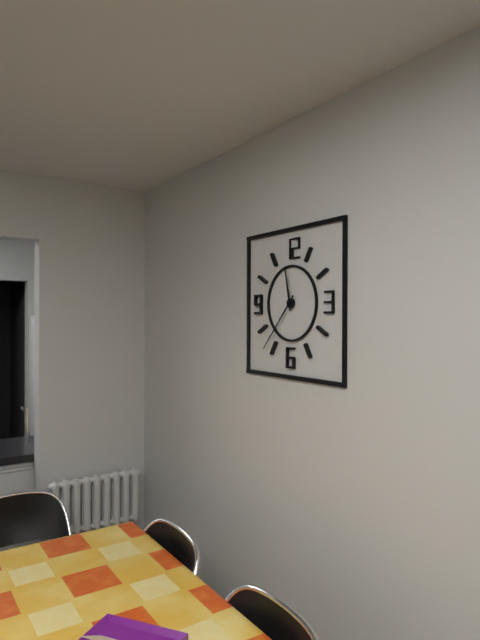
11.37
